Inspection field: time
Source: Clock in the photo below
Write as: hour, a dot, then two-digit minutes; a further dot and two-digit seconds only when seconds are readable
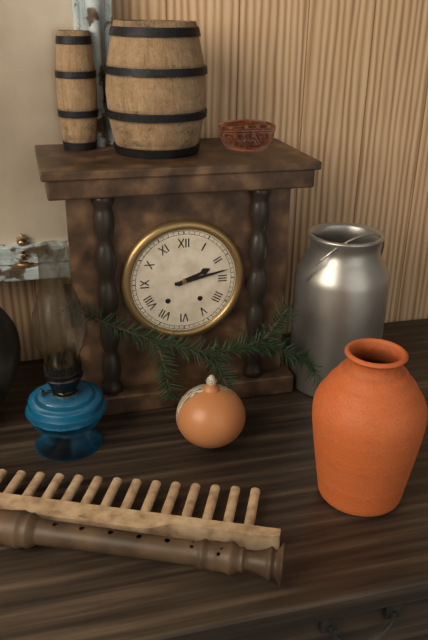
2.13
